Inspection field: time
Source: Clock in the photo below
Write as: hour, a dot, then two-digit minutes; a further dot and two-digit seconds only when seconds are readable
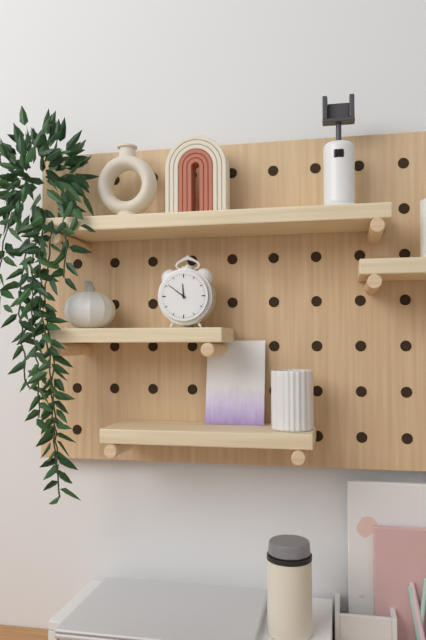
11.51
